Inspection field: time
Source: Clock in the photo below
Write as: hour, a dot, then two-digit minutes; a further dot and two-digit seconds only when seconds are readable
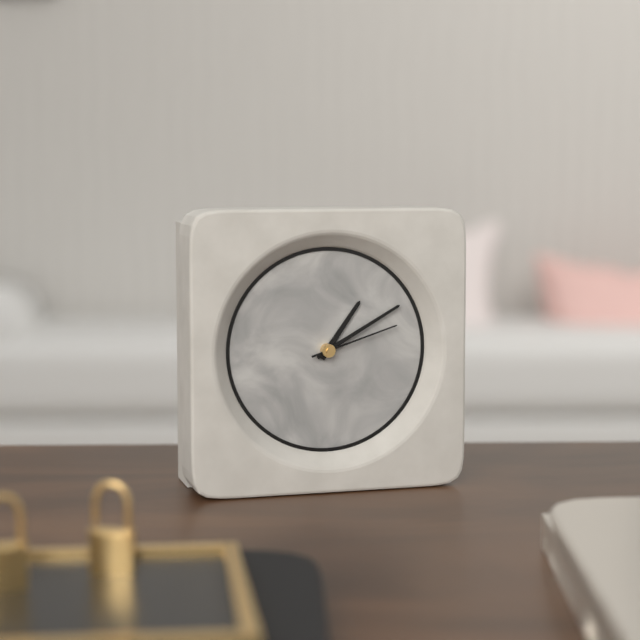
1.10.12
